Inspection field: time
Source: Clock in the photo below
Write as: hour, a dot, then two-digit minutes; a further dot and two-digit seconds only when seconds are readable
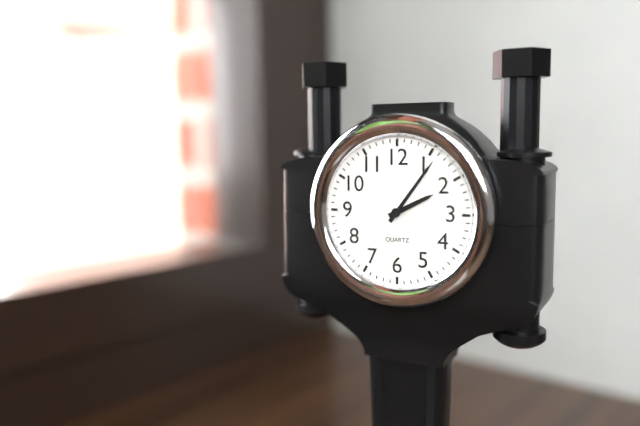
2.06
